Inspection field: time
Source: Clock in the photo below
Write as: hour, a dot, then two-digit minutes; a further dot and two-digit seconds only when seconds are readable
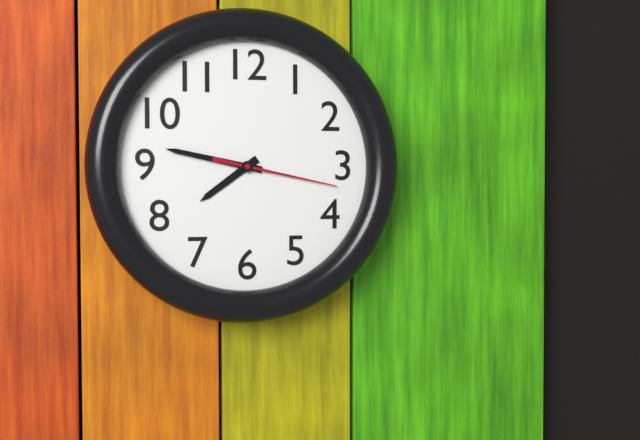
7.47.17
